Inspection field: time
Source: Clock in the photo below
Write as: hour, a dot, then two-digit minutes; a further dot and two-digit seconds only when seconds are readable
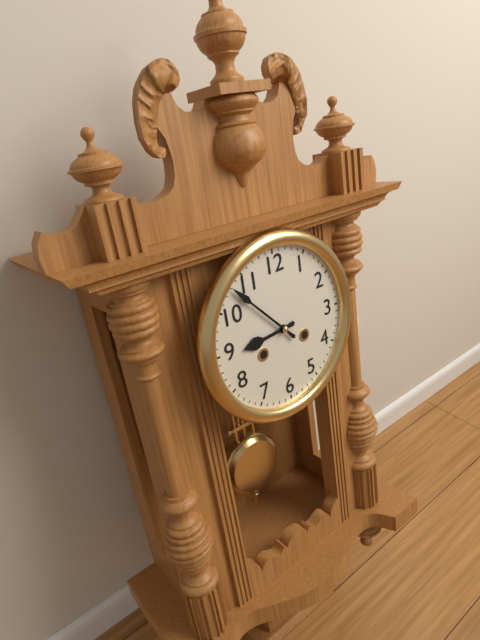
8.53
